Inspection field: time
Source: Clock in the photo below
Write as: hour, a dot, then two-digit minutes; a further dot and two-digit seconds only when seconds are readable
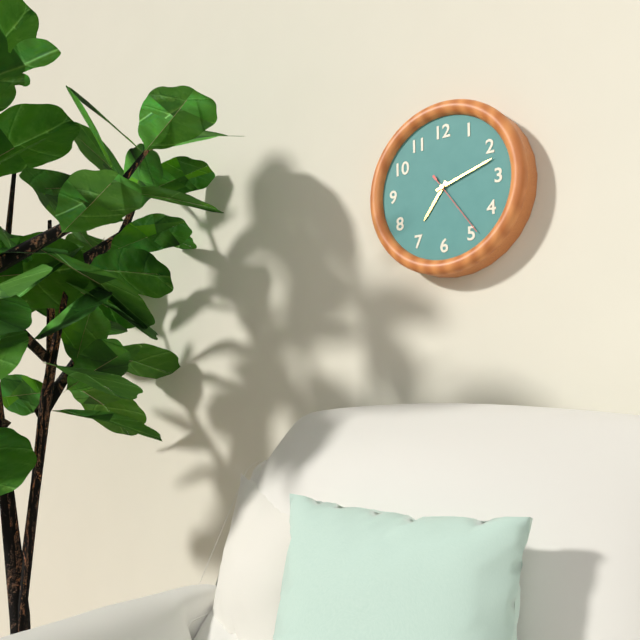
7.12.24
